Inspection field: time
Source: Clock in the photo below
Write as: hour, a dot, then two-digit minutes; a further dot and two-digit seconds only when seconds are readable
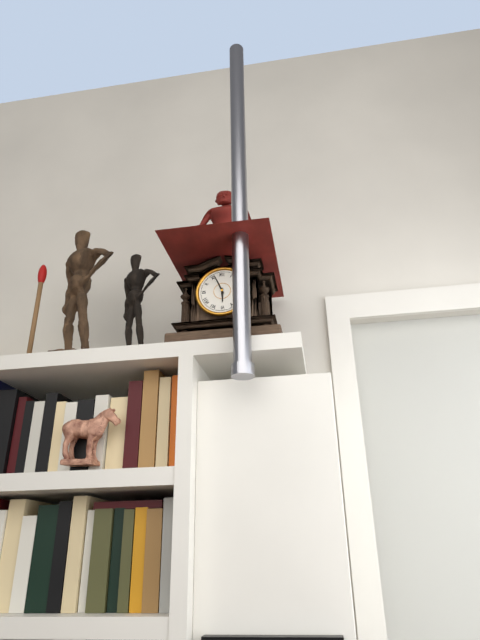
5.56
